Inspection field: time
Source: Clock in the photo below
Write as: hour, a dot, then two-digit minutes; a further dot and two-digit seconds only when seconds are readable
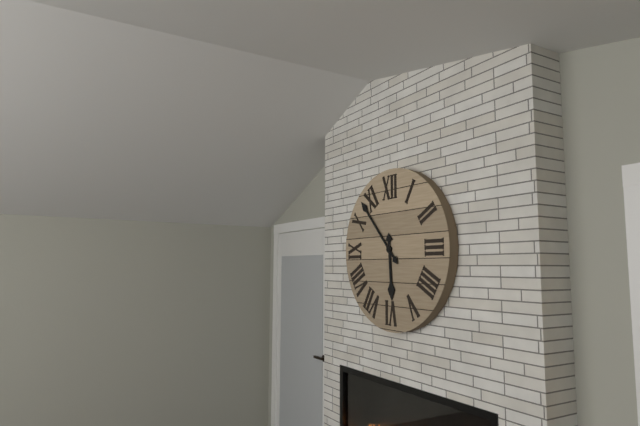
5.53
